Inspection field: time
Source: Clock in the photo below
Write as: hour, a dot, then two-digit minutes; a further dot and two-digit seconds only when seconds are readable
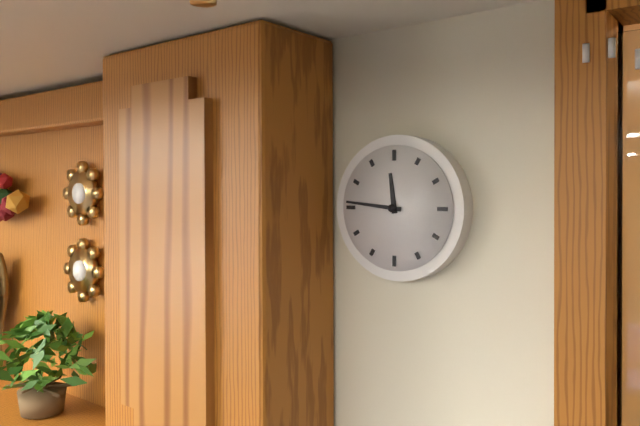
11.46
